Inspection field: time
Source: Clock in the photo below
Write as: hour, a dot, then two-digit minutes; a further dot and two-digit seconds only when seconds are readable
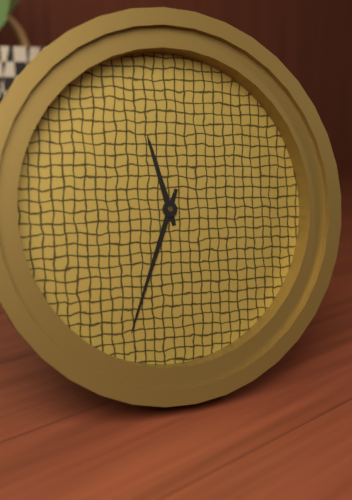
11.34
